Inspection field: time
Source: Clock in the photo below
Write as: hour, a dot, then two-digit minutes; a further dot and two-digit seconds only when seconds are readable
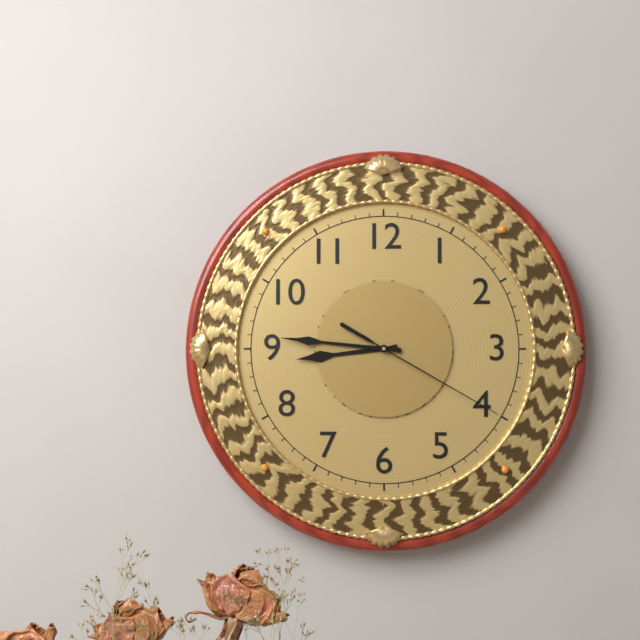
8.46.20
